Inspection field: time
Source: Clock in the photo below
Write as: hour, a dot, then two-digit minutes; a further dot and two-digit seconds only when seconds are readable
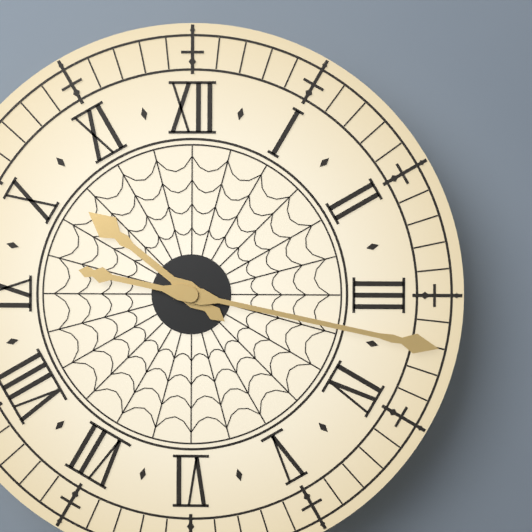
10.17
